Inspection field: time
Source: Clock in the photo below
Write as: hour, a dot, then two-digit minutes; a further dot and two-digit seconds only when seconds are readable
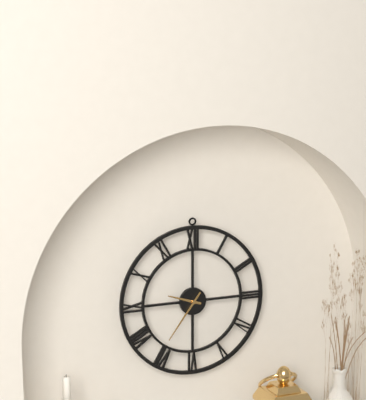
9.36
